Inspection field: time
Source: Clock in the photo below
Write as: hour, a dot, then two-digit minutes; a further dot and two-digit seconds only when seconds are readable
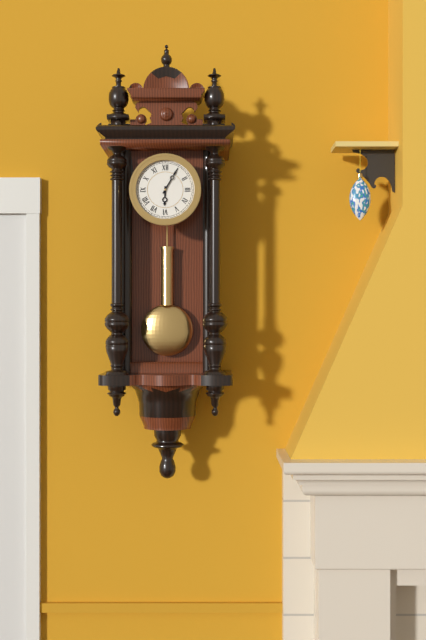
6.05
